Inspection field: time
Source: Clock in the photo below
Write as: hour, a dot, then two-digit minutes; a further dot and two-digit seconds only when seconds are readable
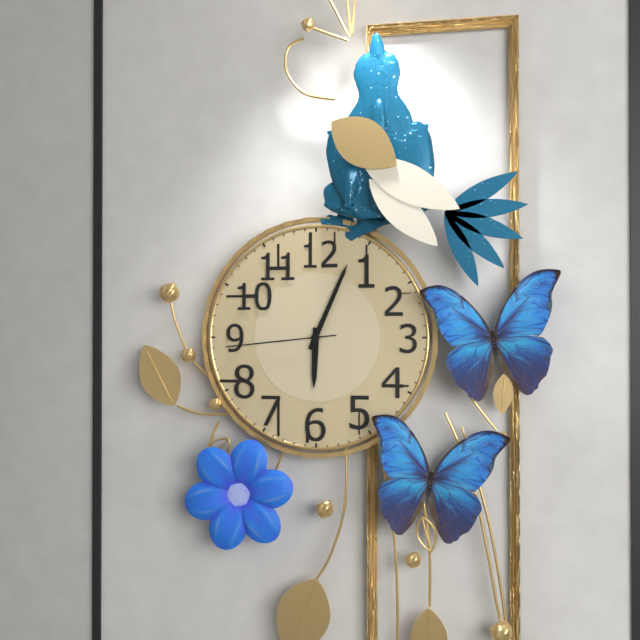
6.04.44
